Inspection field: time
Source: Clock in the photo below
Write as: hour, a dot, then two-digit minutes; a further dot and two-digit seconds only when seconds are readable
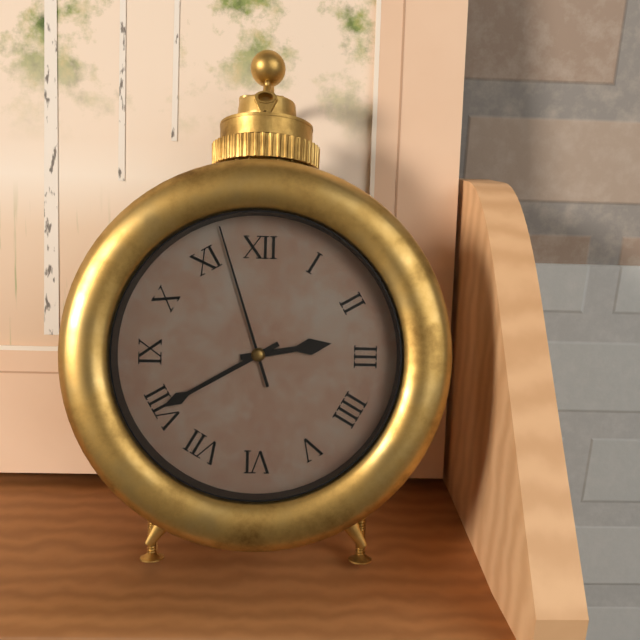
2.40.57
